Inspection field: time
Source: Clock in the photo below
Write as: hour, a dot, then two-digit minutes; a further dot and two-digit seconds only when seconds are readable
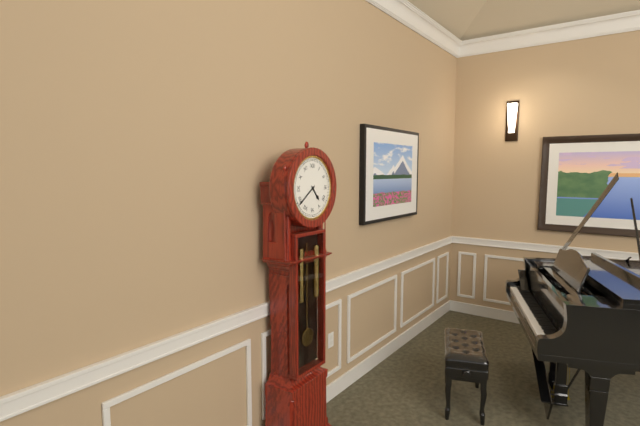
4.39
